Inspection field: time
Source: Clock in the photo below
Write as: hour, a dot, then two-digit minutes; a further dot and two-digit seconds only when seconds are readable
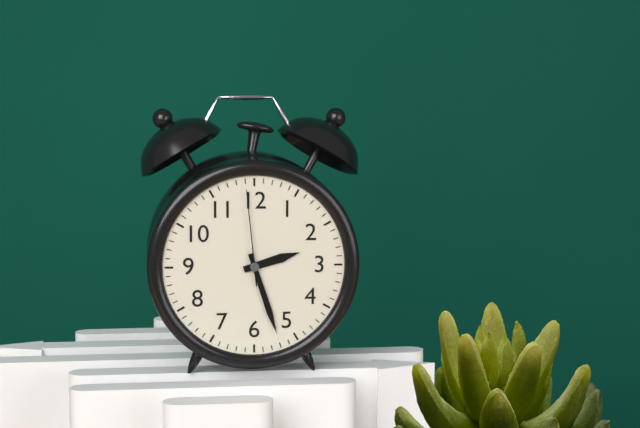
2.27.59
